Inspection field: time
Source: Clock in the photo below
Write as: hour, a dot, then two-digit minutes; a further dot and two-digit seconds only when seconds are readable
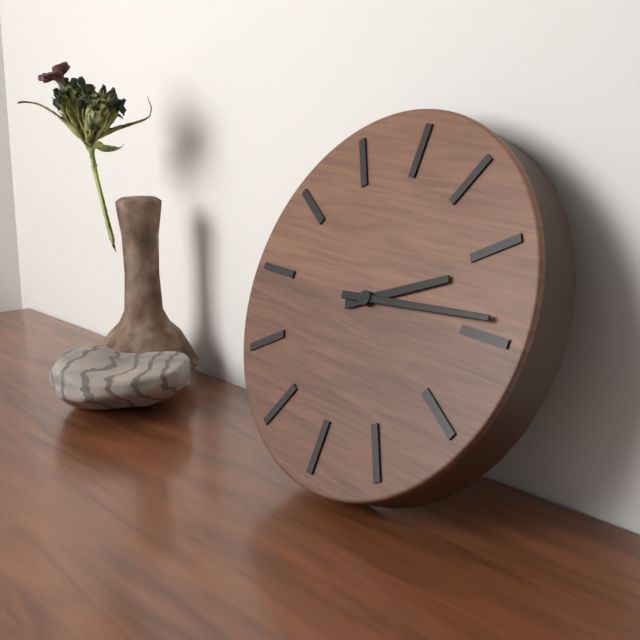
2.14
